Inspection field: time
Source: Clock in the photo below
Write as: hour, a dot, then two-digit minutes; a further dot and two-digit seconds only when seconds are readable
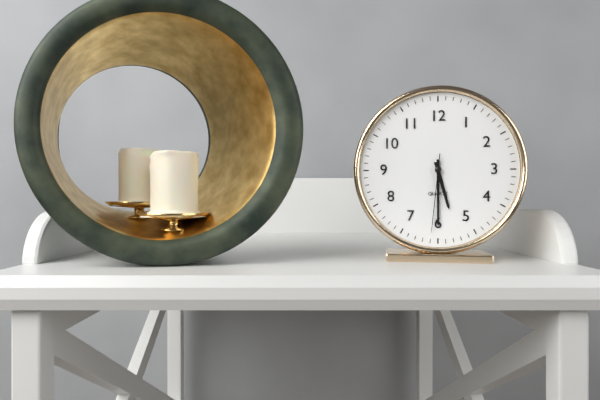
5.30.31
